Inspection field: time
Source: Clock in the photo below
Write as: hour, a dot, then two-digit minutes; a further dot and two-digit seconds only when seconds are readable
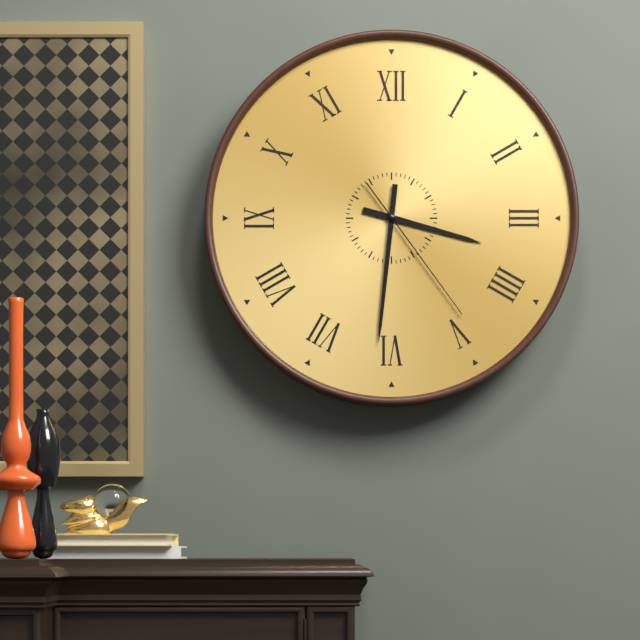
3.31.24
